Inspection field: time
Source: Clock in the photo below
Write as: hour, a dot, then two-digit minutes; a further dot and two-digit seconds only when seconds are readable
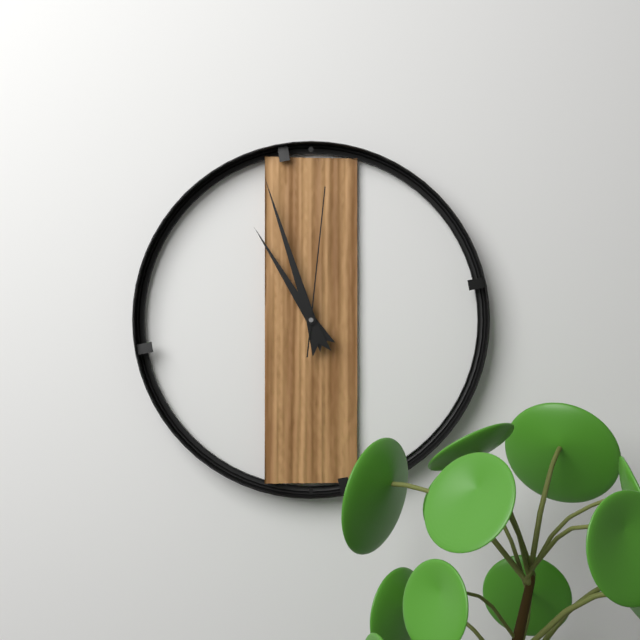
10.57.01
